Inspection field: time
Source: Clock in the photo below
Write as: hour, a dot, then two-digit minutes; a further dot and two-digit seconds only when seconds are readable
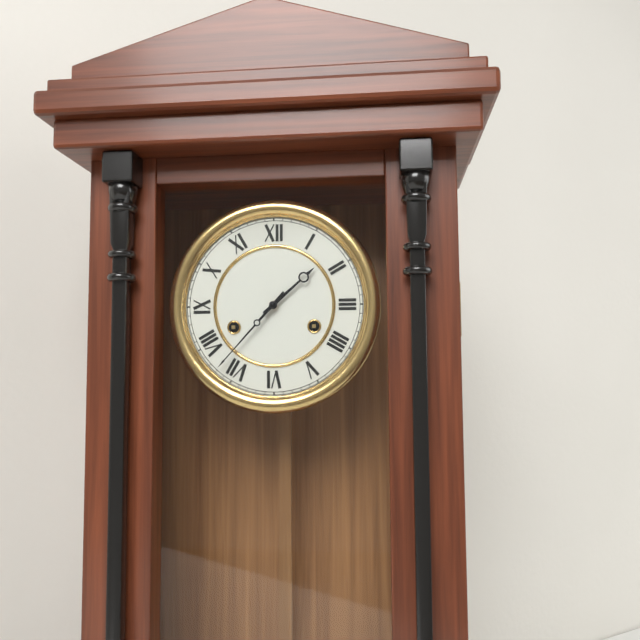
1.37
